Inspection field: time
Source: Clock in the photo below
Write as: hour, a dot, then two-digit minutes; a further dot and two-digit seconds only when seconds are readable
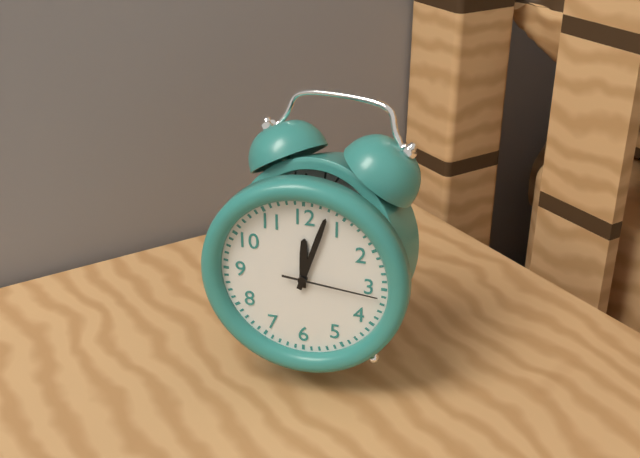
12.03.16
